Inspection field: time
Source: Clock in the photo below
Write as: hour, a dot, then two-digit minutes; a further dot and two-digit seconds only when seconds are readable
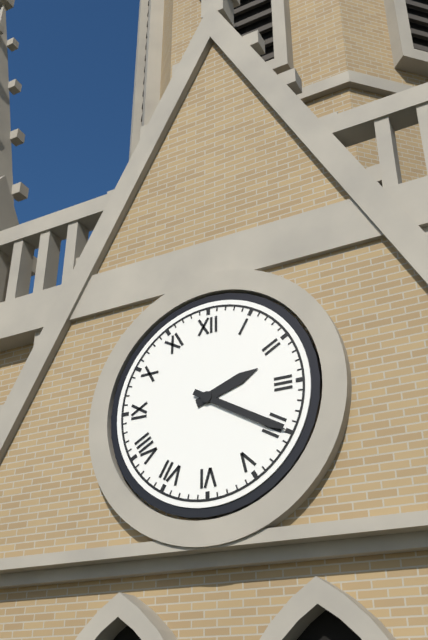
2.20
